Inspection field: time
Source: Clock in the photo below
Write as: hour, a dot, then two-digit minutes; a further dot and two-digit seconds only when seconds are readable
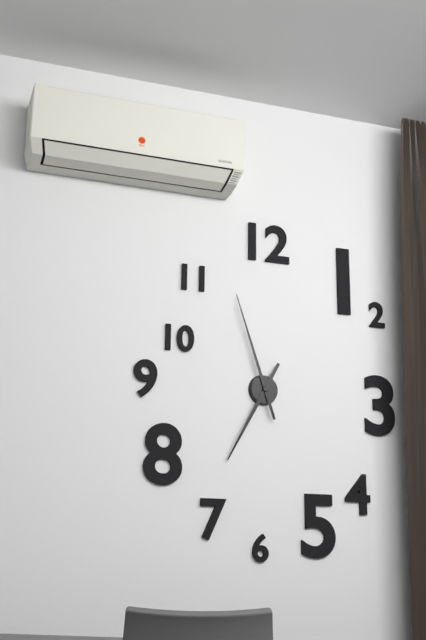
6.57
